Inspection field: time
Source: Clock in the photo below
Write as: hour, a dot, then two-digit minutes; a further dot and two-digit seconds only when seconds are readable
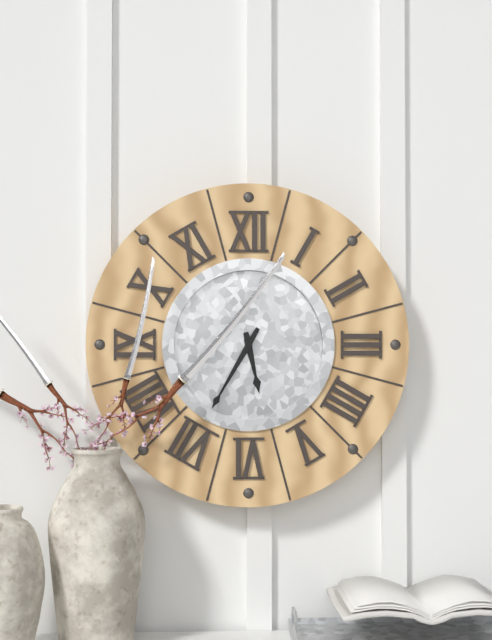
5.35
